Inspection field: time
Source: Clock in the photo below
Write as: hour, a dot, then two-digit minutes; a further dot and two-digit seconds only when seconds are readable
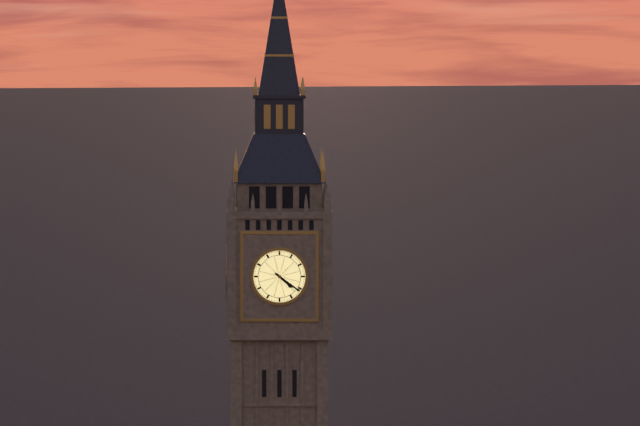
4.21
